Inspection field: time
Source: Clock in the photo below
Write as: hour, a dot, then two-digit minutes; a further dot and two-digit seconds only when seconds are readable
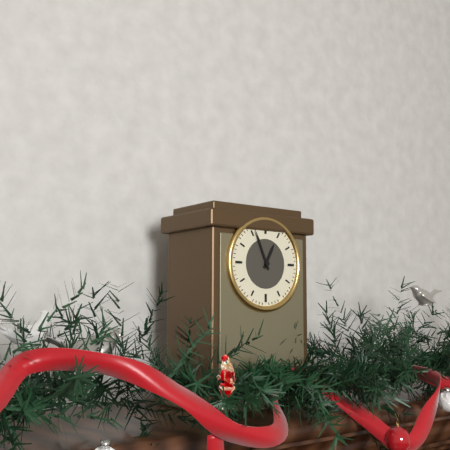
12.56
